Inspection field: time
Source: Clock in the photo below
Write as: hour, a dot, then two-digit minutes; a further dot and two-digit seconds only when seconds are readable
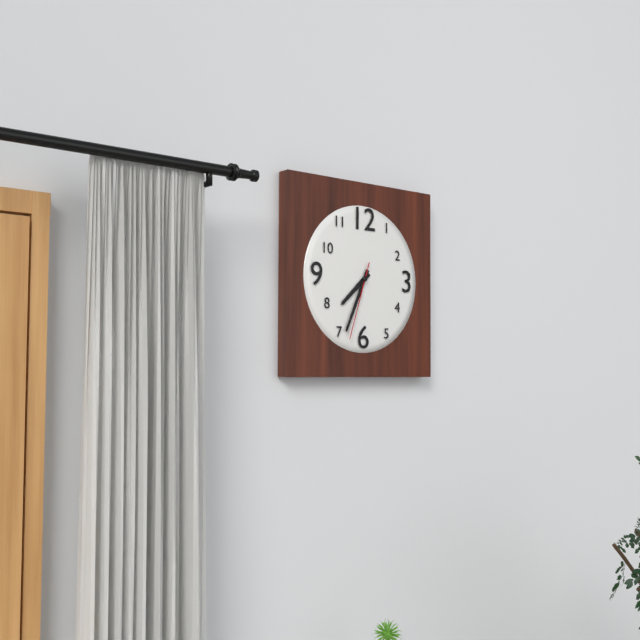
7.34.33
